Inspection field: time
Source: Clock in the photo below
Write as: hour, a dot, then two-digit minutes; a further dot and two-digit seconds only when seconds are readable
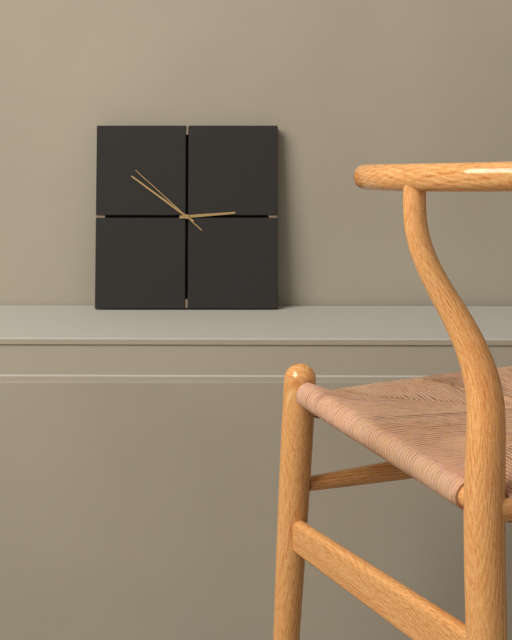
2.51.52
